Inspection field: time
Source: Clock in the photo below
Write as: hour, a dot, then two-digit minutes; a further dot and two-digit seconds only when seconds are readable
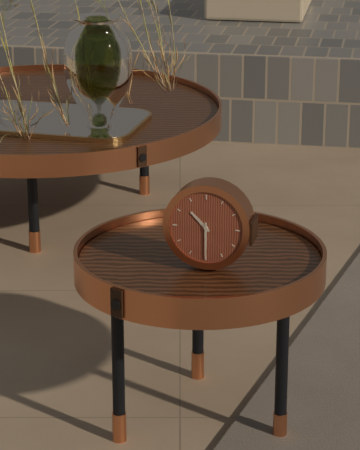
10.30
